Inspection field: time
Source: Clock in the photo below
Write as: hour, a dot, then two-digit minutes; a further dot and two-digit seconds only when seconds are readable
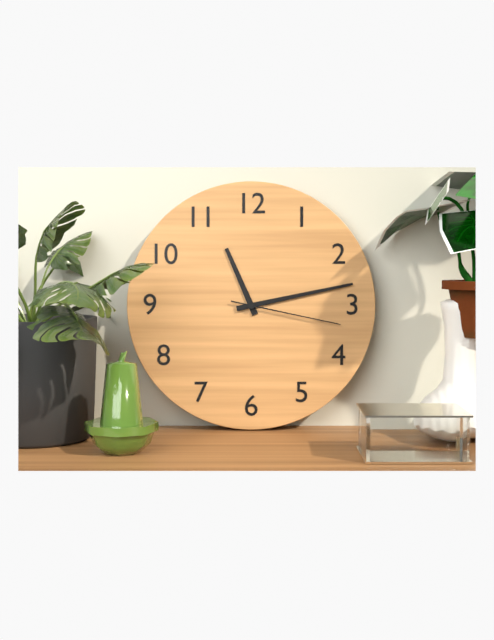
11.13.17
